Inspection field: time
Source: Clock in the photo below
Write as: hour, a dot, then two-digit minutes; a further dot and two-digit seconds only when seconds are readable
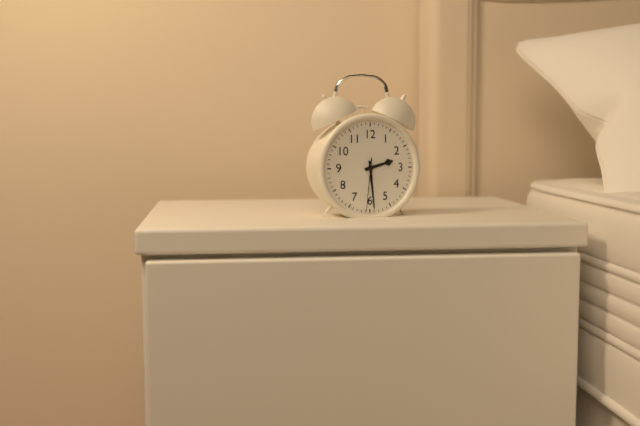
2.29.31
